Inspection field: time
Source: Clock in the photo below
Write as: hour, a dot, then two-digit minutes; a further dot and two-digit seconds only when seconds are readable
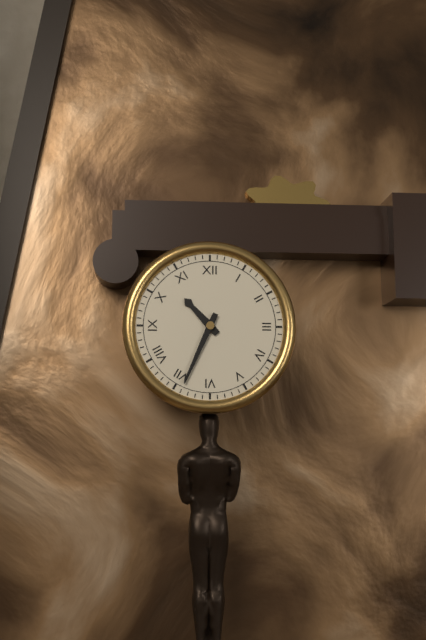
10.34
